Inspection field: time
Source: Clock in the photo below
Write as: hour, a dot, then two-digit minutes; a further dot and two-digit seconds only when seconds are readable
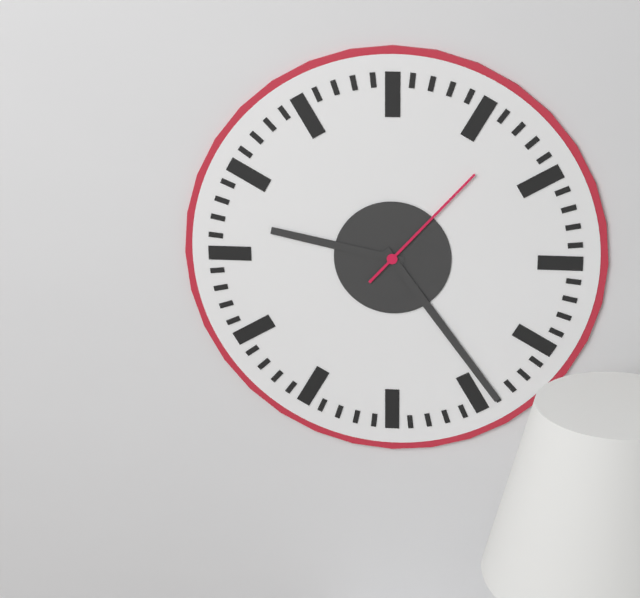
9.24.07
